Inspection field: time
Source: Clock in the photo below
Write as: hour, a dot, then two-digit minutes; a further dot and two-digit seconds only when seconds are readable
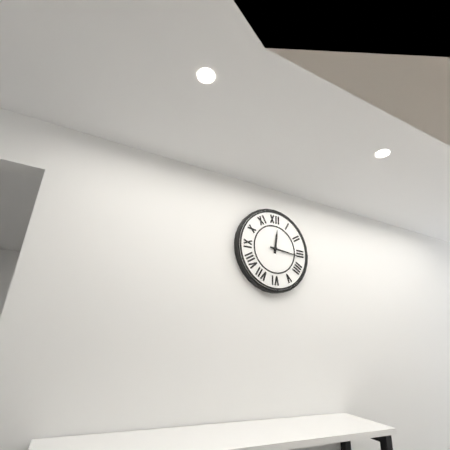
12.16
